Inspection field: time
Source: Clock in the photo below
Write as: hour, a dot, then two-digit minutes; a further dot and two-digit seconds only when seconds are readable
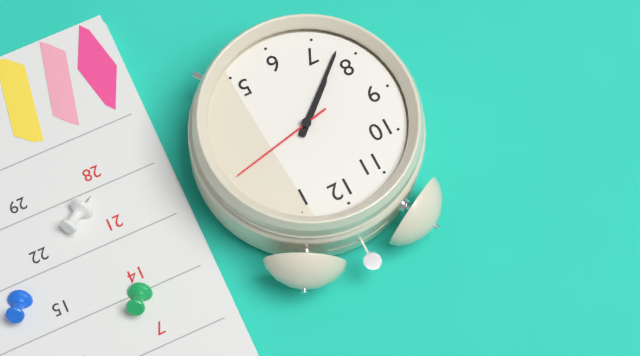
7.38.13
